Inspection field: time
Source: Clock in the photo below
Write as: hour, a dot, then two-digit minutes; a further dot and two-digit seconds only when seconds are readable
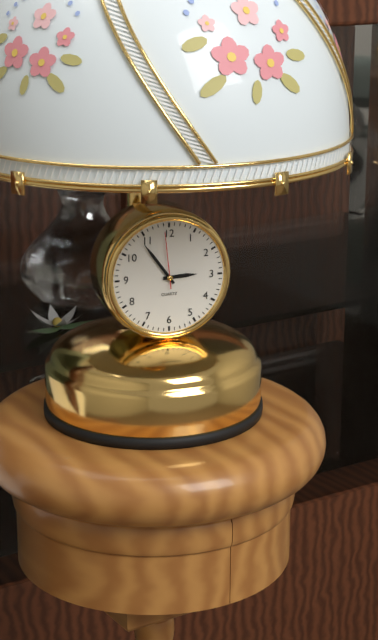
2.54.59
